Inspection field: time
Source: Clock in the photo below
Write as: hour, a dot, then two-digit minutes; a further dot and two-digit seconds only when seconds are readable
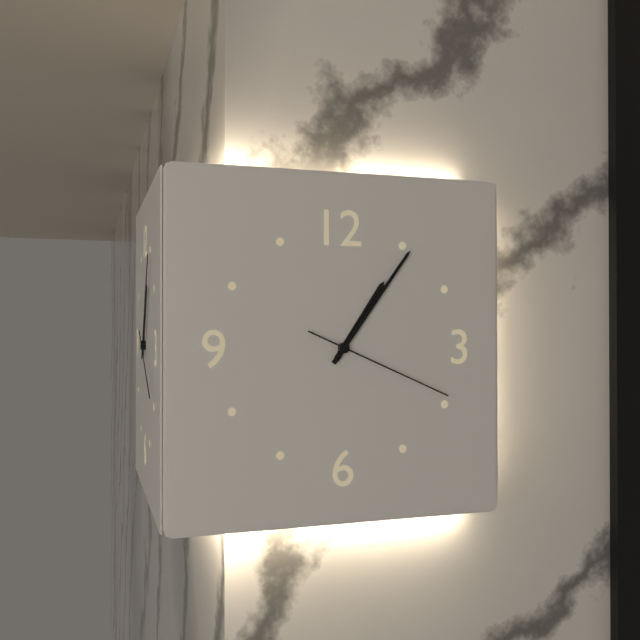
1.06.19
